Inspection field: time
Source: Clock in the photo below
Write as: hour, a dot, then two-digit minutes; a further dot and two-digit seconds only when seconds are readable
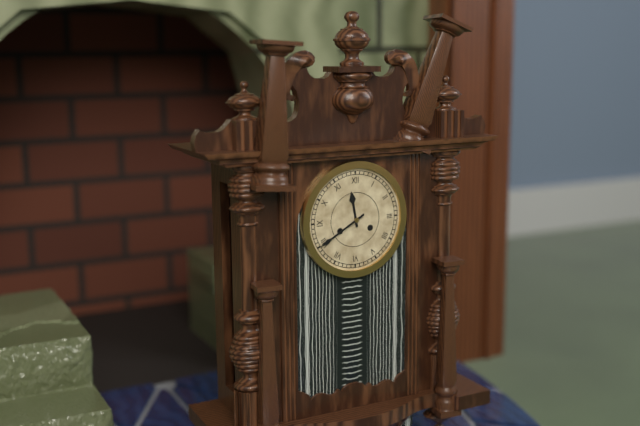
11.40
